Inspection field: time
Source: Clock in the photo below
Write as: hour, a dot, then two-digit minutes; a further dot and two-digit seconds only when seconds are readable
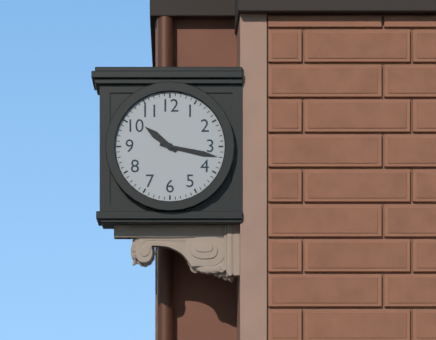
10.17
